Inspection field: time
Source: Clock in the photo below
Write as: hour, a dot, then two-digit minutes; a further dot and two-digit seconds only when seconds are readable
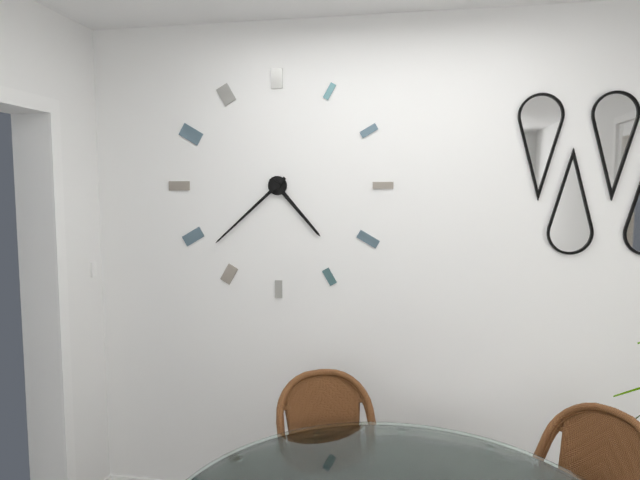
4.38
